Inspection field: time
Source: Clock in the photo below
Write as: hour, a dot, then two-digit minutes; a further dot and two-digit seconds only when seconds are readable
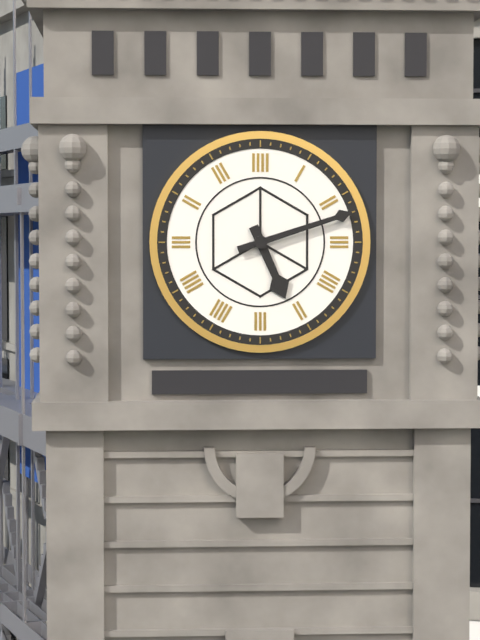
5.12
